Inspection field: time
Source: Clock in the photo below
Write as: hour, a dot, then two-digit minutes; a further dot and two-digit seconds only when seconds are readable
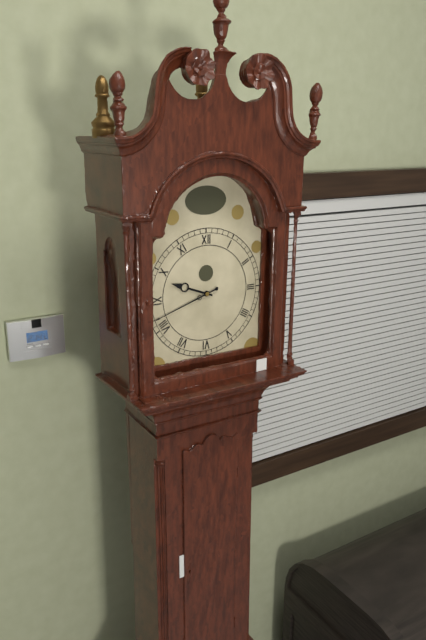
9.42
